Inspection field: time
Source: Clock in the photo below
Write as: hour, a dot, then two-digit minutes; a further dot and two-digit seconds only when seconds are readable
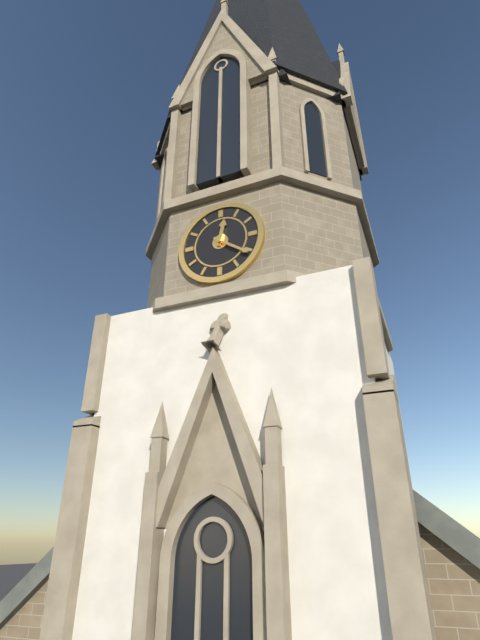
12.21
